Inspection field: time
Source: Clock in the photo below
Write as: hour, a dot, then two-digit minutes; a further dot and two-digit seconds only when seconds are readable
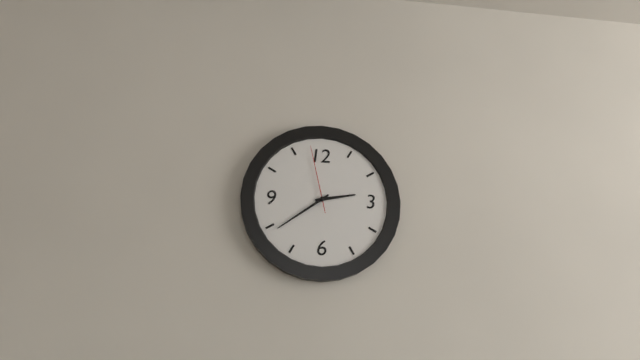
2.39.58
